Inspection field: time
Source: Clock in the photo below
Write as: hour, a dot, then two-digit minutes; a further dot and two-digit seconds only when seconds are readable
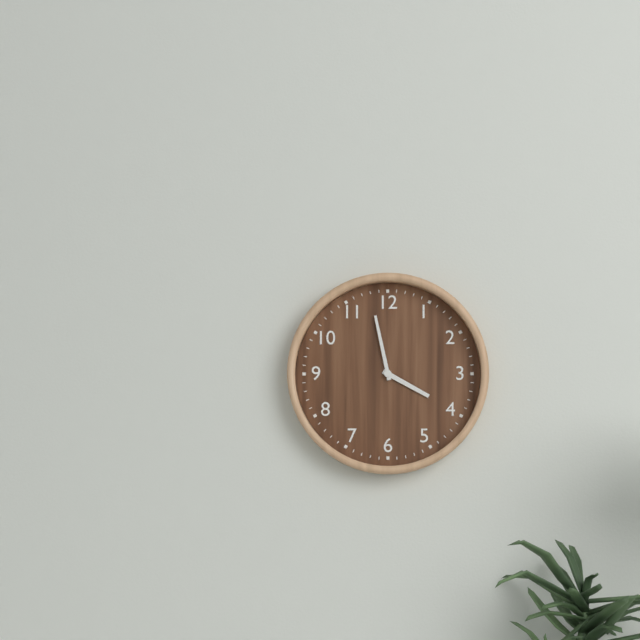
3.58
